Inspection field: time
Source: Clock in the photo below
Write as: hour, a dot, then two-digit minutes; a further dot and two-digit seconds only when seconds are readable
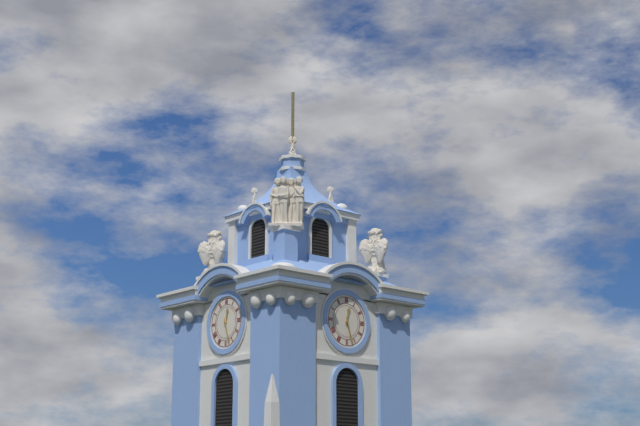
12.27
